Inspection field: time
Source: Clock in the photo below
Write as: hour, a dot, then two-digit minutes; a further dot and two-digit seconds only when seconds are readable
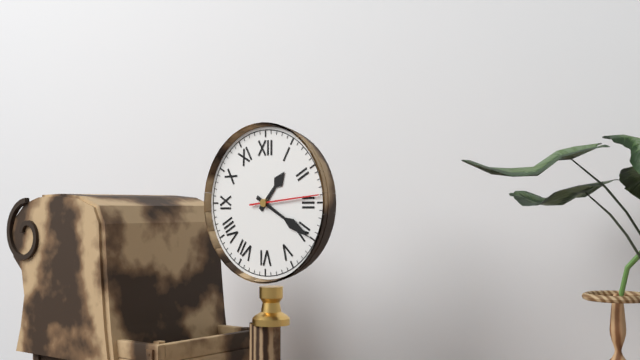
1.20.14
